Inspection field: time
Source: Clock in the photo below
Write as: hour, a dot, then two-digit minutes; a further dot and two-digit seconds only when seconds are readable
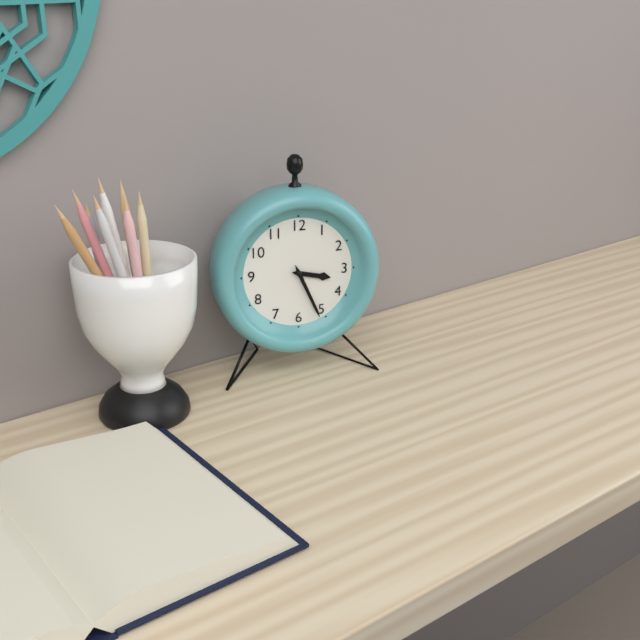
3.26
